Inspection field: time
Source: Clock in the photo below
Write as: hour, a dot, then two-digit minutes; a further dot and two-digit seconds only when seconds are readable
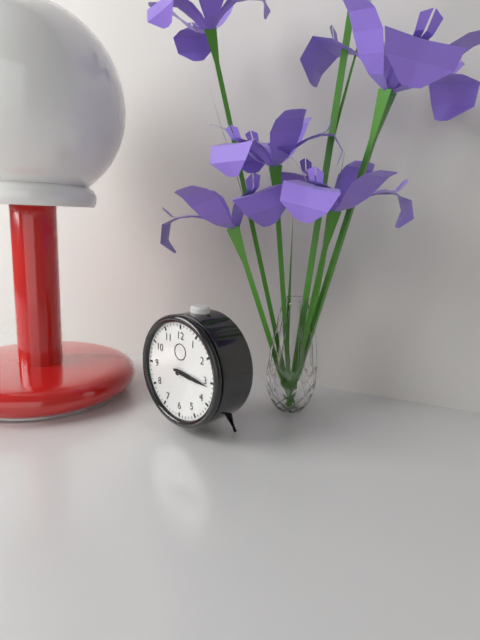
3.16
